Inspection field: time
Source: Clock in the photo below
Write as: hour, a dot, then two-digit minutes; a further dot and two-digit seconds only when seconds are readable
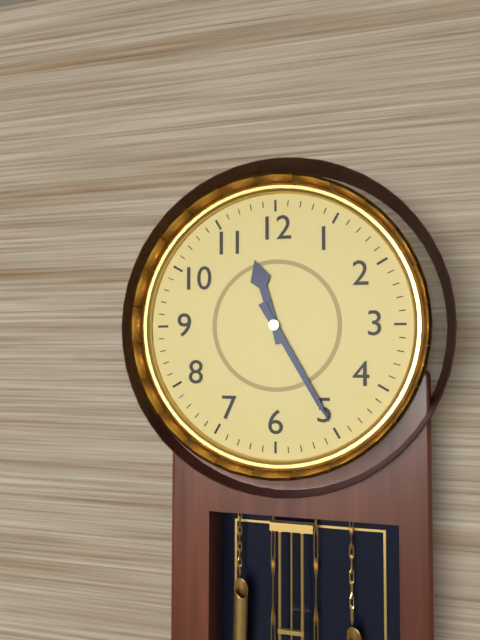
11.25
